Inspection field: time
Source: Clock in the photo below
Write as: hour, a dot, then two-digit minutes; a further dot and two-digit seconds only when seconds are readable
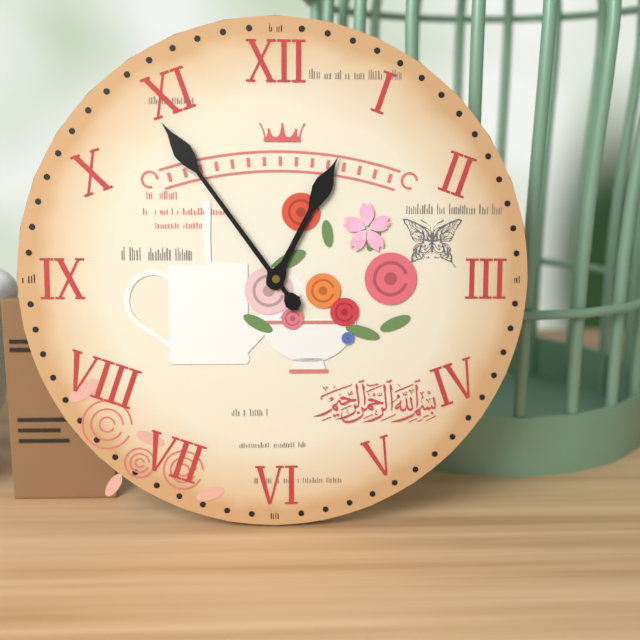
12.54
